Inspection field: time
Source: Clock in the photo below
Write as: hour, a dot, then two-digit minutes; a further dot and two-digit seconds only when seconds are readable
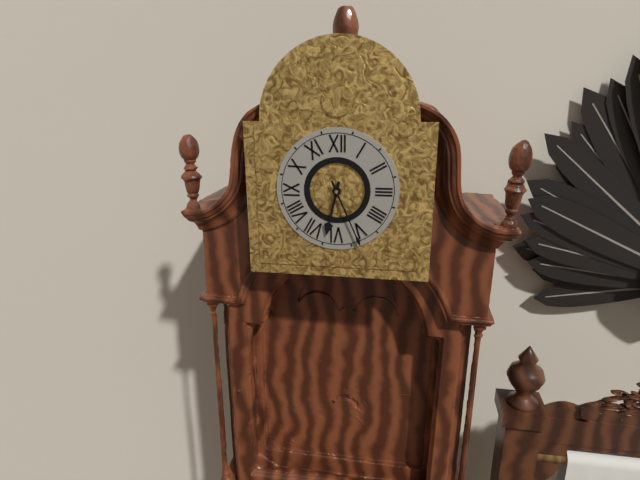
6.26
